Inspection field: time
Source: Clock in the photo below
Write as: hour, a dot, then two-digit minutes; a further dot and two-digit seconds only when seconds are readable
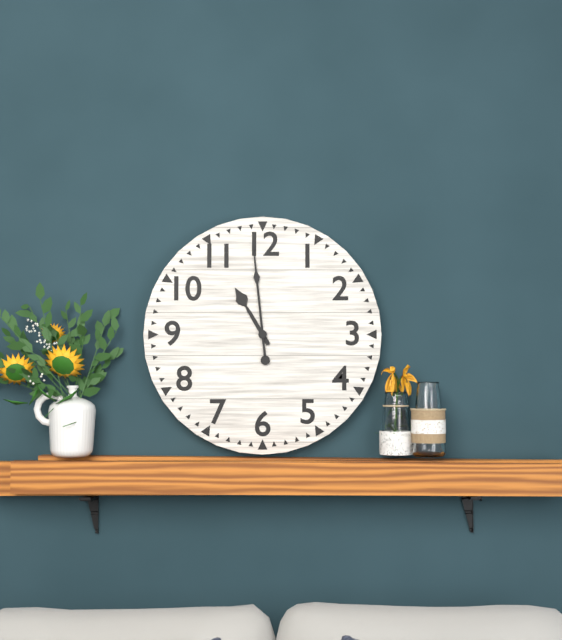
10.59
